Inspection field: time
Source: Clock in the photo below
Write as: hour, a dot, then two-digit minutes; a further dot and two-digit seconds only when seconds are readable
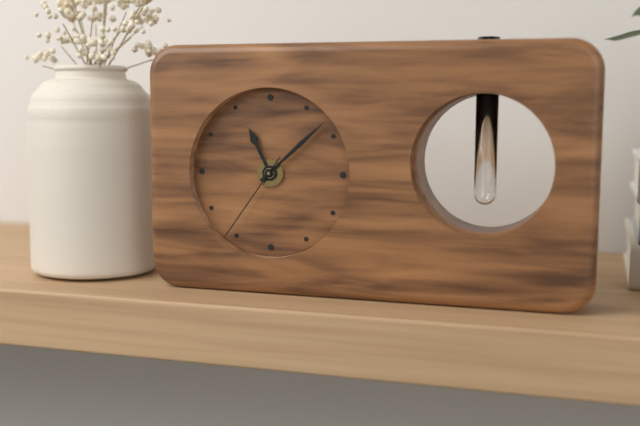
11.08.36
